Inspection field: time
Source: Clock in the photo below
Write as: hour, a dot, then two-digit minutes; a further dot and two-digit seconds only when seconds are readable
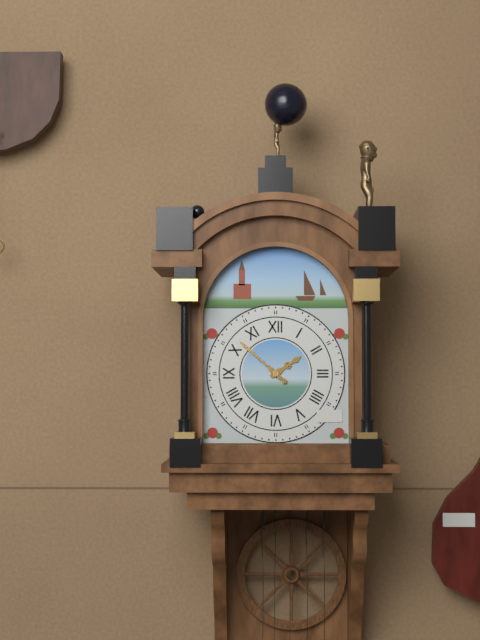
1.52
